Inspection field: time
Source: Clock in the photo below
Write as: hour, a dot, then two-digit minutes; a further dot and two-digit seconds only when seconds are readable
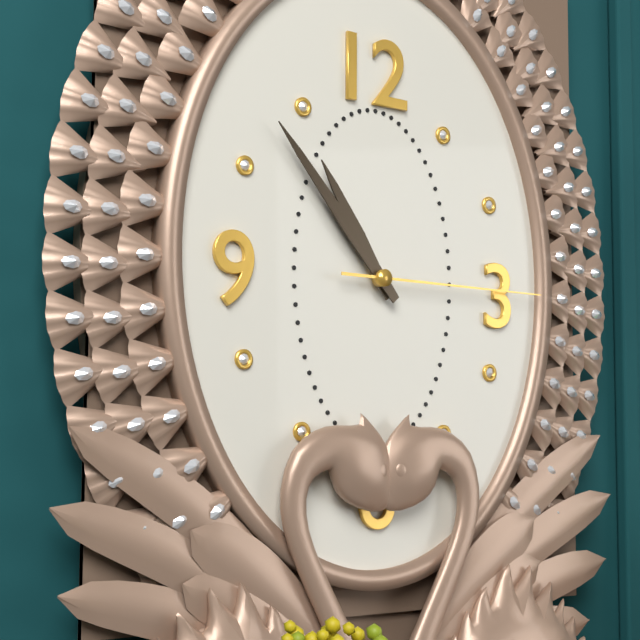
10.53.15
